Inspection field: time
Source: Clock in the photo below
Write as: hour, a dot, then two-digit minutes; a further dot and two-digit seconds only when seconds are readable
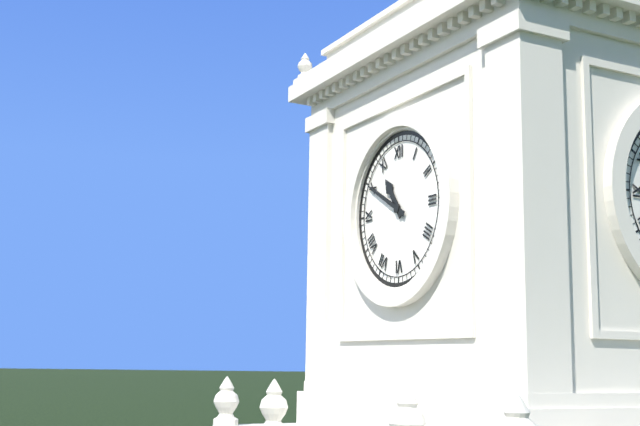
10.50
